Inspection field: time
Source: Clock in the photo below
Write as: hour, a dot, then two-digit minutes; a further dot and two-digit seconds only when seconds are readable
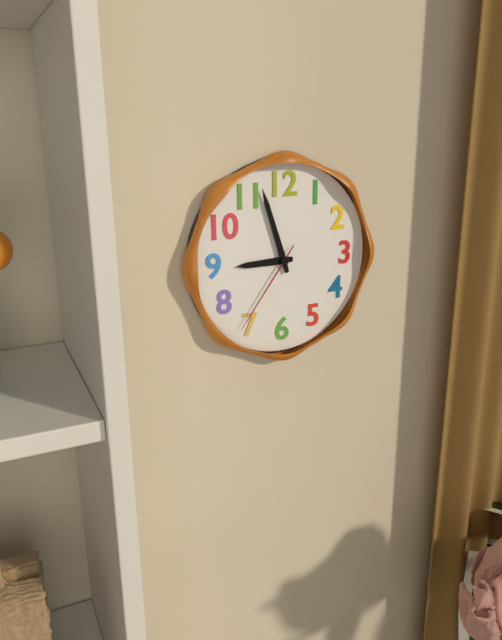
8.57.36
